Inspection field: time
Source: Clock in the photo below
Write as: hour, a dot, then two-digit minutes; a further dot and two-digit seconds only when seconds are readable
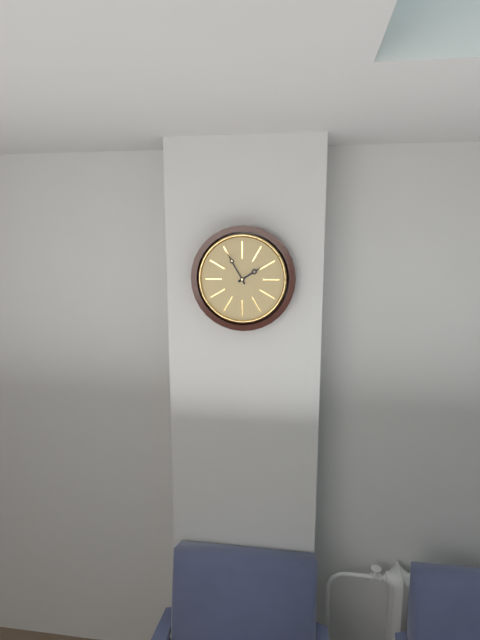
1.55
